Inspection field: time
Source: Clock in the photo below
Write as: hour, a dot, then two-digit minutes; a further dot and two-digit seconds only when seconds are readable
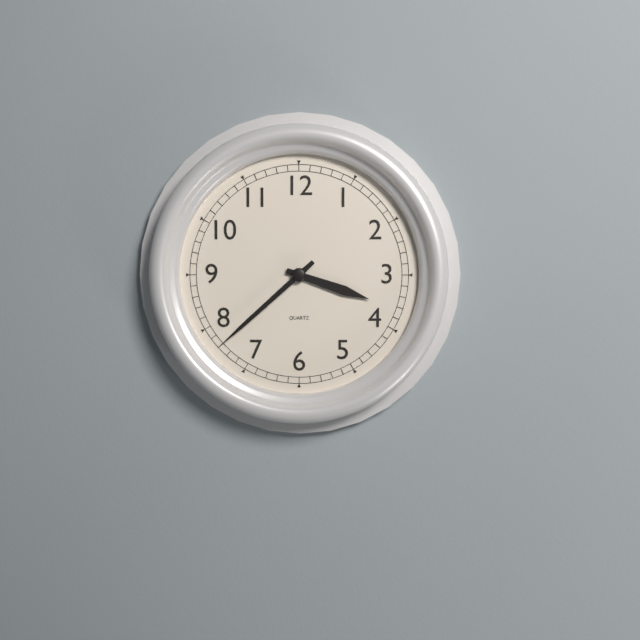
3.38
